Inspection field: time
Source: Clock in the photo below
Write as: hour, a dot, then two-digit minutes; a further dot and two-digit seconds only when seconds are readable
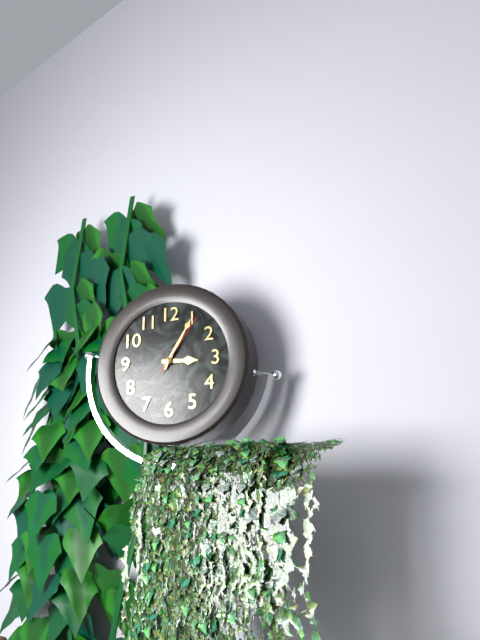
3.05.06
